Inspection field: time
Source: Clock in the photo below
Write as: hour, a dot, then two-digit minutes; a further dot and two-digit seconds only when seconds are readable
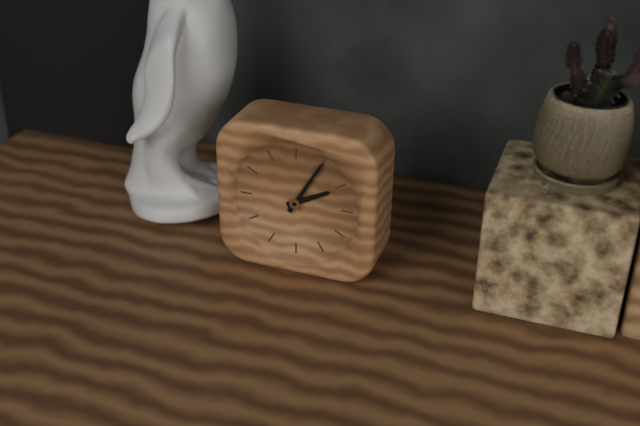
2.05
